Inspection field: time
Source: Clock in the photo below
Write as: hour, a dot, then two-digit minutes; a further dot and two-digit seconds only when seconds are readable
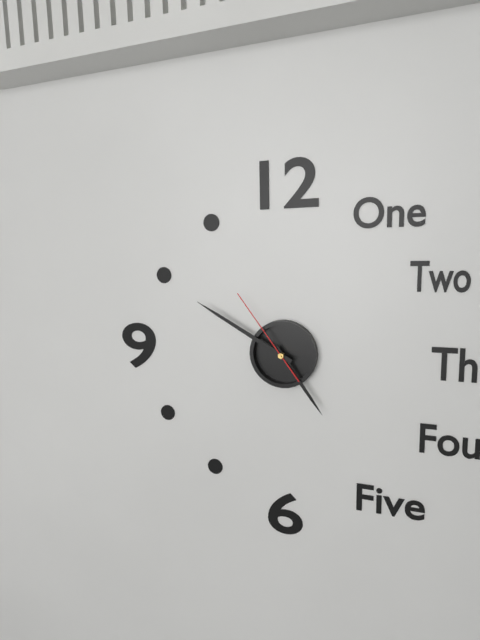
4.50.54
